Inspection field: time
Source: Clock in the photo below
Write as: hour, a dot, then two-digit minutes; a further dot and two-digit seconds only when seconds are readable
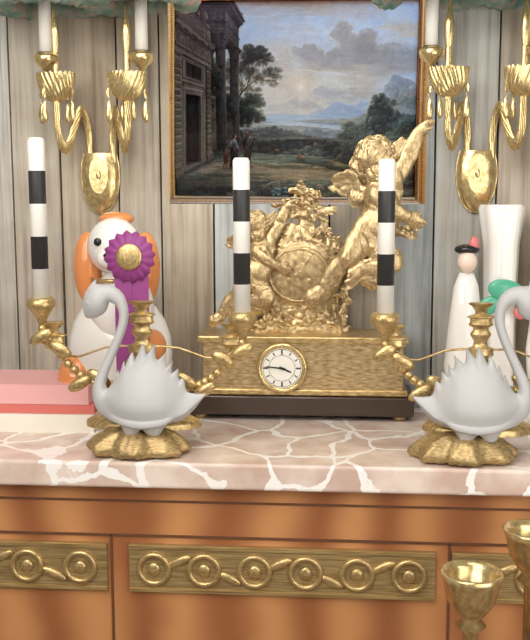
3.46
